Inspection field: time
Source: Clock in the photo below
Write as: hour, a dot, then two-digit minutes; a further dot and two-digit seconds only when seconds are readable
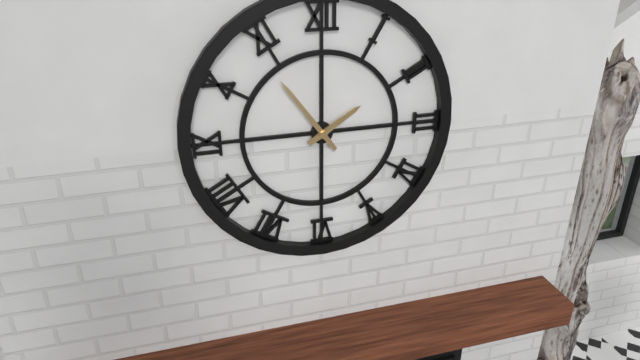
1.54
